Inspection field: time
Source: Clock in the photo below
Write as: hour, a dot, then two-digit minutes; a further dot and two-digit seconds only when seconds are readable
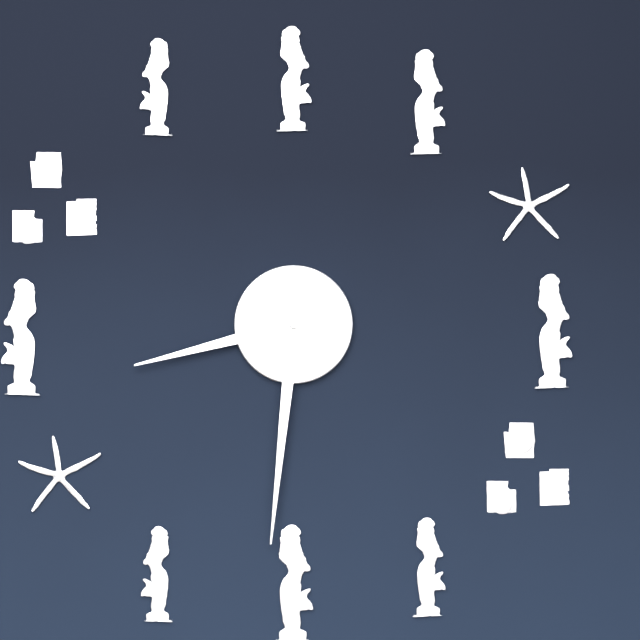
8.31
